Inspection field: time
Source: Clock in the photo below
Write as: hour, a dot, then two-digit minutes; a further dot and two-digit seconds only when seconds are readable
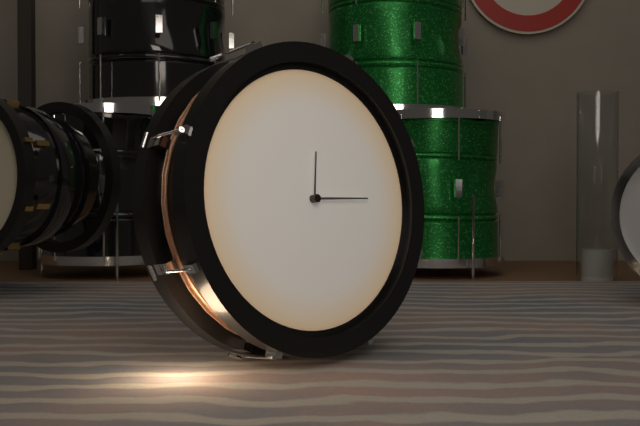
12.15
